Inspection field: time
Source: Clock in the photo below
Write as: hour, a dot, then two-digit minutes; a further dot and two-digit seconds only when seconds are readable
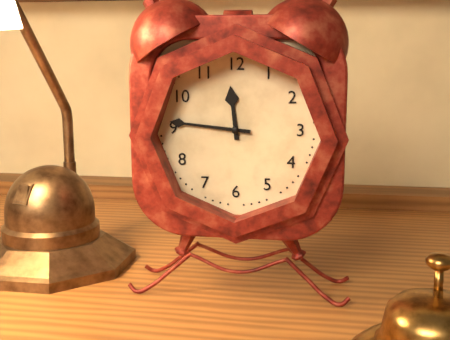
11.46
